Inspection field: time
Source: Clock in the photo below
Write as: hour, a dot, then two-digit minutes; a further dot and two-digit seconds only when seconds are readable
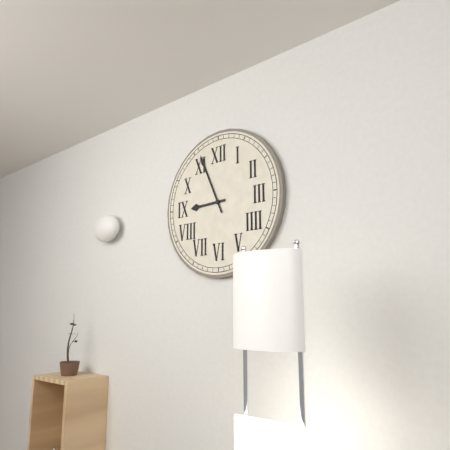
8.56
